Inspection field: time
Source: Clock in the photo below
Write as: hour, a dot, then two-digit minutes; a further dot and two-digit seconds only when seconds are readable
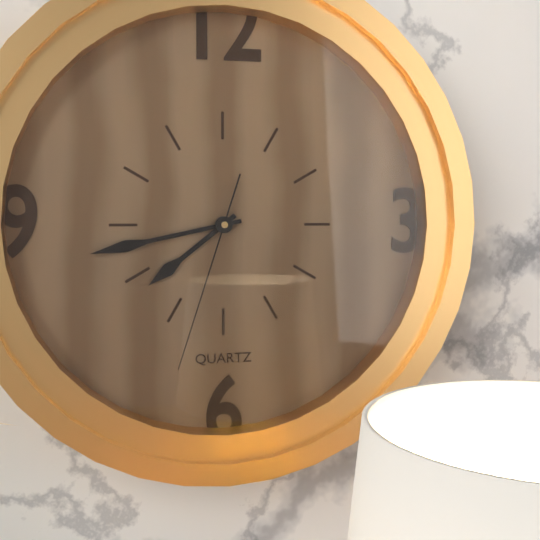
7.43.33
